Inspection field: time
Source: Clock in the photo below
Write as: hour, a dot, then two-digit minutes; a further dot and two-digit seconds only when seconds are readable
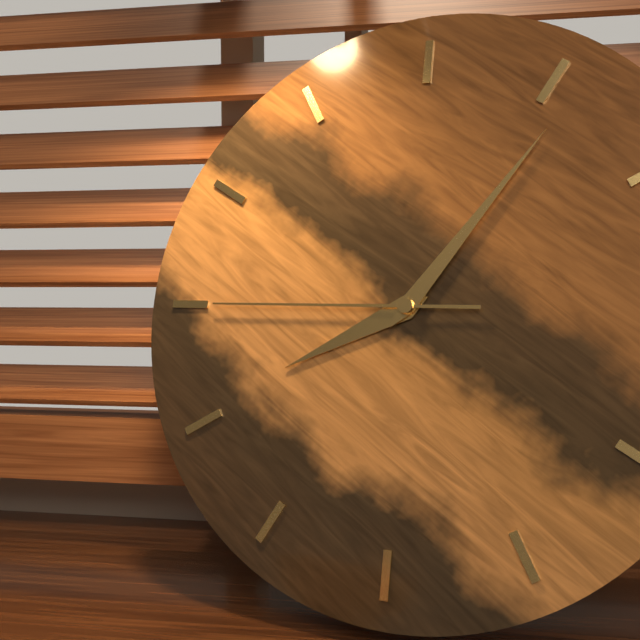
8.06.45
